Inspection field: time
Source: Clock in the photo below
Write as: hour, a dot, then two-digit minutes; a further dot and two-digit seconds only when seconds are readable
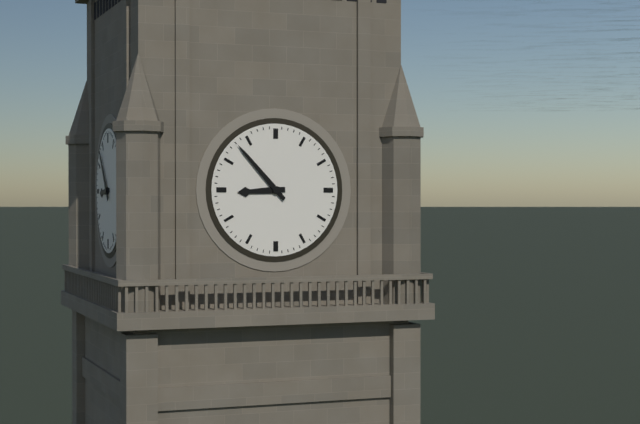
8.53
